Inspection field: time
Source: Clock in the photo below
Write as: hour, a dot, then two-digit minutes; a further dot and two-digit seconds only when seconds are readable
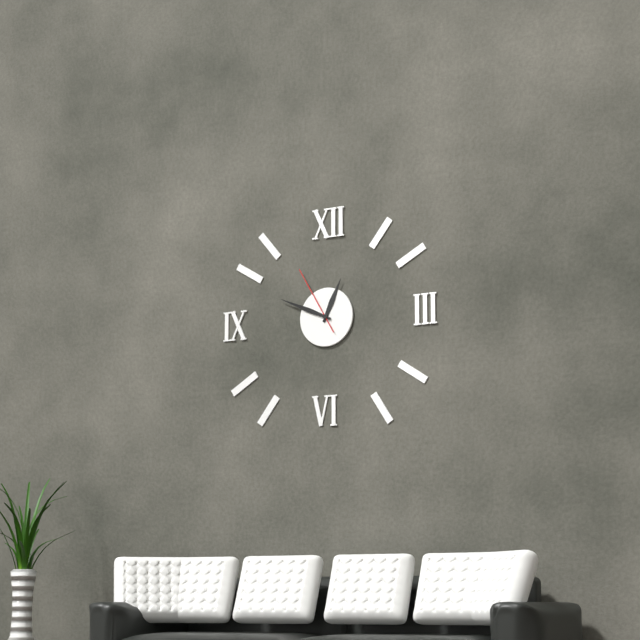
12.49.55
